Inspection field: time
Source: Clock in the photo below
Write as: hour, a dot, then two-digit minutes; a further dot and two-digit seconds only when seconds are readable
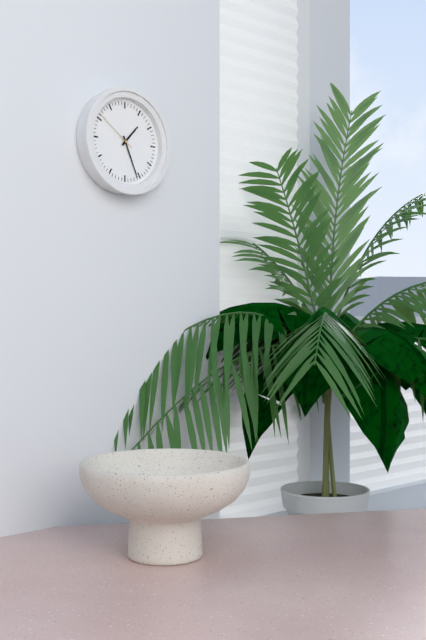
1.26
